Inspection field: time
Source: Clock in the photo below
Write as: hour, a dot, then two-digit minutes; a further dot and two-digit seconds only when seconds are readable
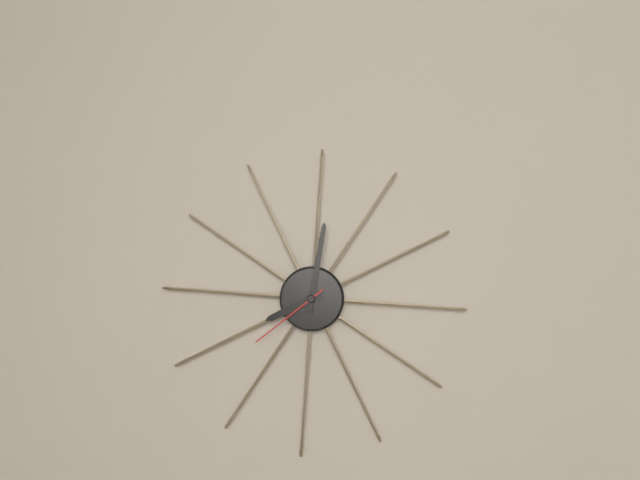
8.01.38
